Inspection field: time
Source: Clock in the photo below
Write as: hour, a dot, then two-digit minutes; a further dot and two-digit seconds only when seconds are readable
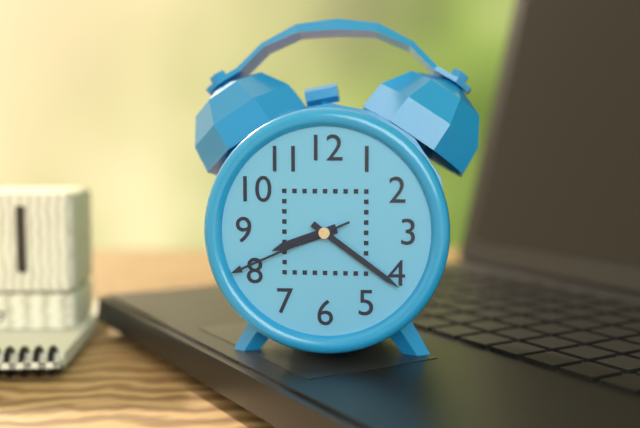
8.21.41
